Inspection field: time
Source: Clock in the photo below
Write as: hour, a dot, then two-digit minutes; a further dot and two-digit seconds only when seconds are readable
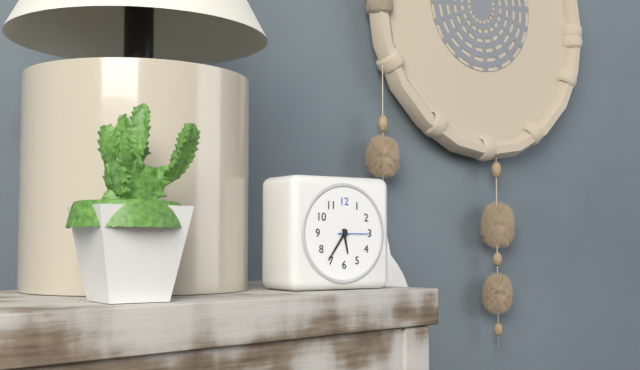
5.36
